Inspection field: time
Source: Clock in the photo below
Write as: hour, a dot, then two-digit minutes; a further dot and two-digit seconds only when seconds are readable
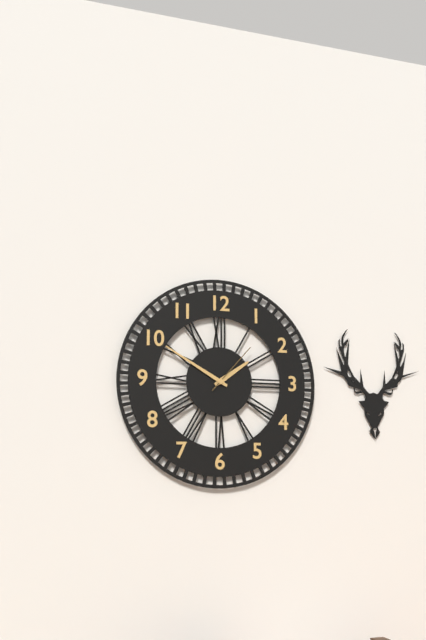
1.50.07
